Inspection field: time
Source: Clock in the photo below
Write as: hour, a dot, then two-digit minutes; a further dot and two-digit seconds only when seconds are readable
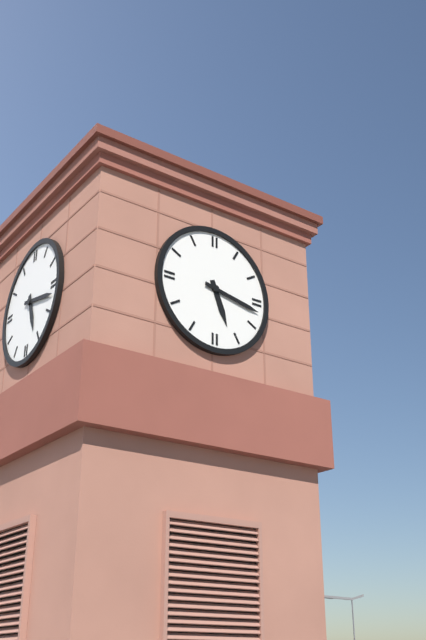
5.17
